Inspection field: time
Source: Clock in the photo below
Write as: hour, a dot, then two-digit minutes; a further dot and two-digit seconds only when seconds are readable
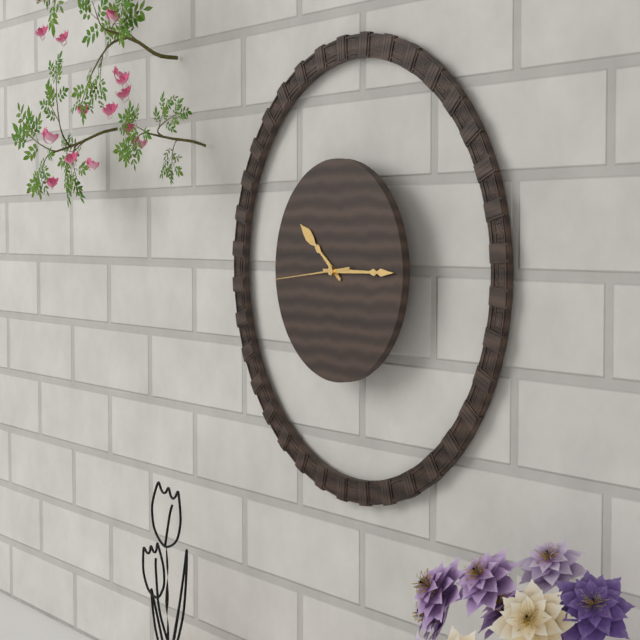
10.15.44
